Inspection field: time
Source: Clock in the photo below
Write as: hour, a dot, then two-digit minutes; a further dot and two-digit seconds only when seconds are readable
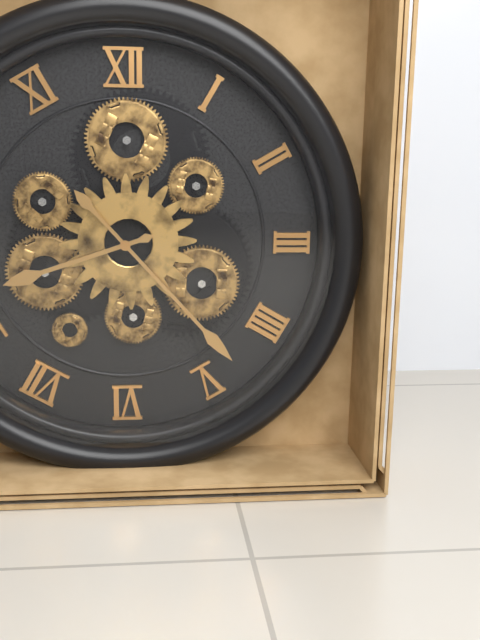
8.23
